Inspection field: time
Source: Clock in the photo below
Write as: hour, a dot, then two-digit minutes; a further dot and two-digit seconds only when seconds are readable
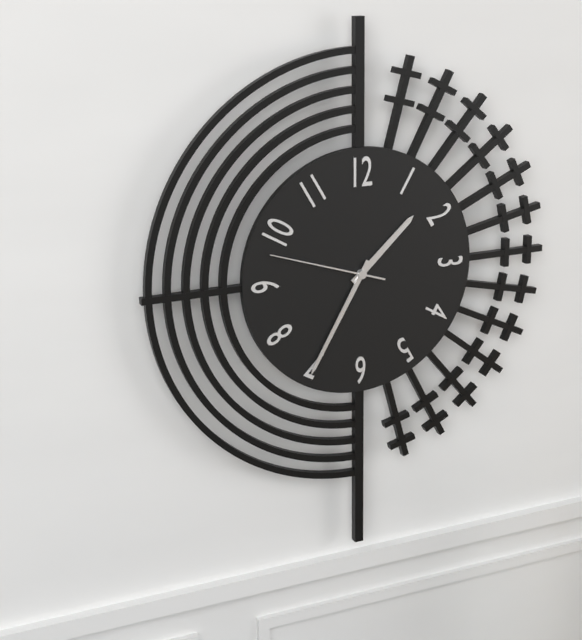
1.35.48
